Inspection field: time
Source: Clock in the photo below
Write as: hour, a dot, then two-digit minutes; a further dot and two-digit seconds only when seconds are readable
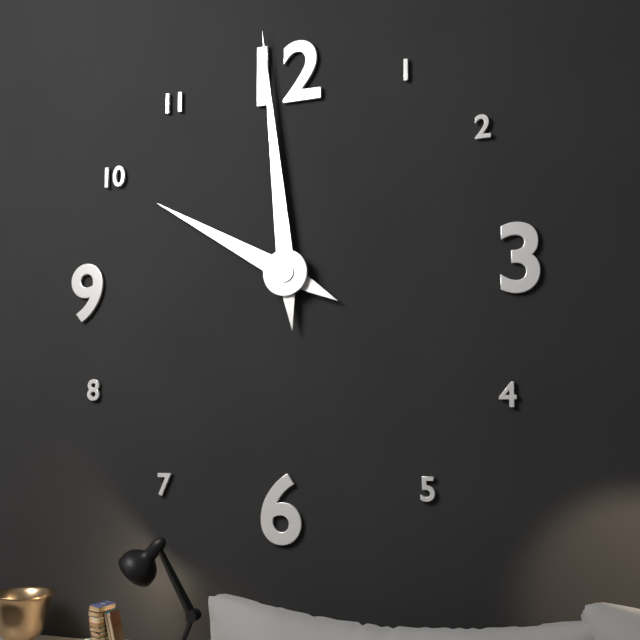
9.59
